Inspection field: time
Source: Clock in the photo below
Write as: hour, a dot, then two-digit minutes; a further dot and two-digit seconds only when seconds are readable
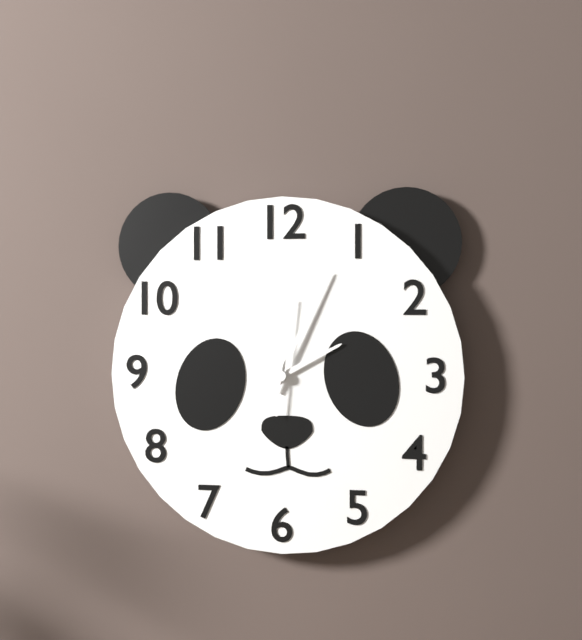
2.04.01
